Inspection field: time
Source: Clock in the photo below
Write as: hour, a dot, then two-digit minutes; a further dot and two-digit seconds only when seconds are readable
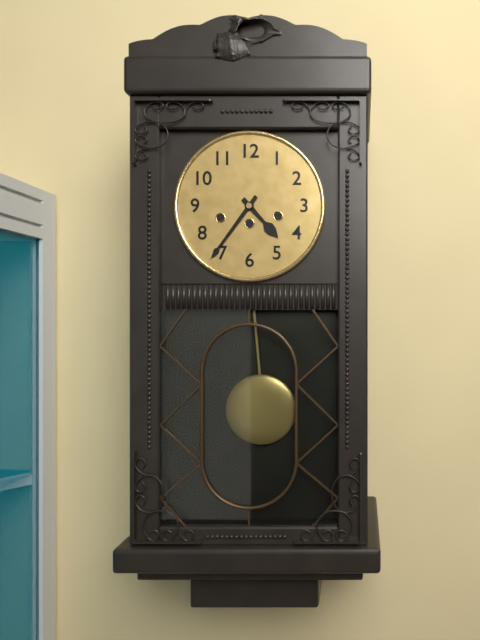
4.36
